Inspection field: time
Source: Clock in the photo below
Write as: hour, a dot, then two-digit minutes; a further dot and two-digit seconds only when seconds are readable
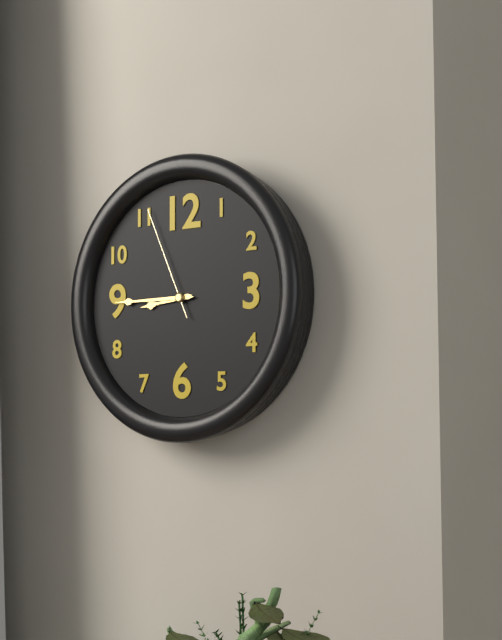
8.45.56
